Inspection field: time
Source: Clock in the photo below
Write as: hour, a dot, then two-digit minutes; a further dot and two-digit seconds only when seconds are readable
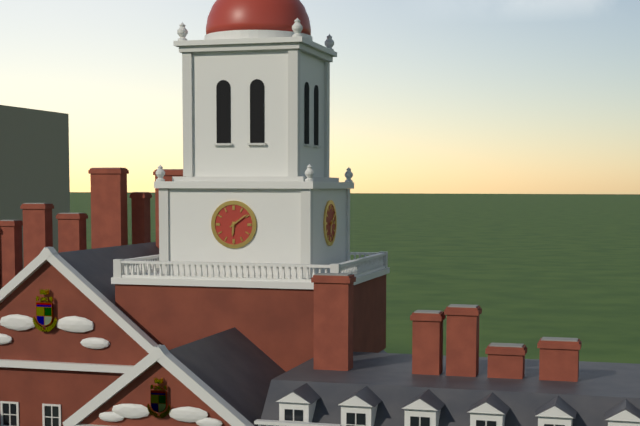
6.09
